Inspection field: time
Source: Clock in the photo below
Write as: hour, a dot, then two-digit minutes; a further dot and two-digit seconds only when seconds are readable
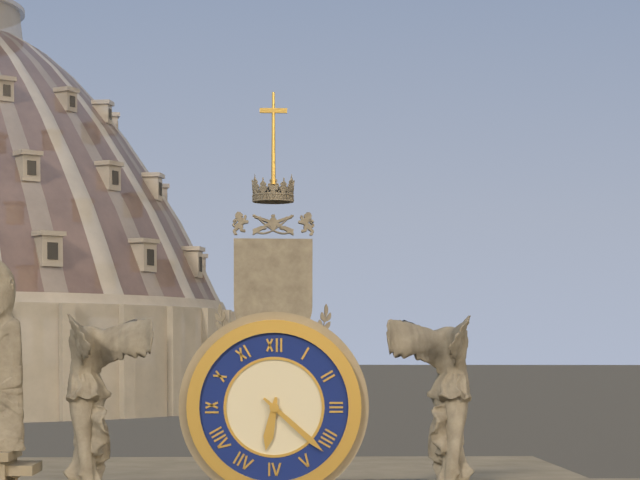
6.22
